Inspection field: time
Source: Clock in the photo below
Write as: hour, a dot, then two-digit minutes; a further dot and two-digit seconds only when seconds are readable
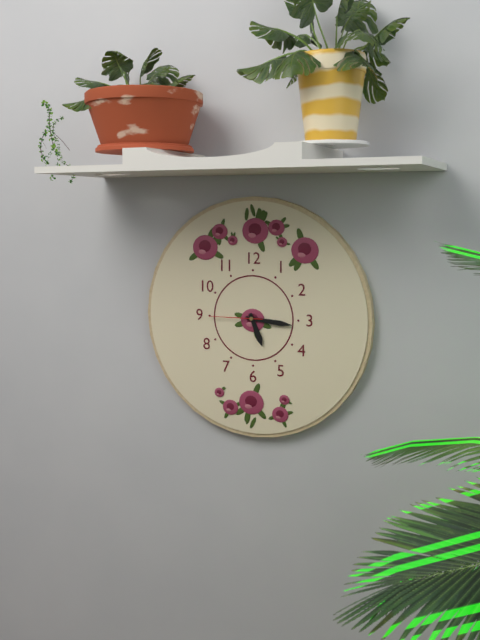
5.16.45
